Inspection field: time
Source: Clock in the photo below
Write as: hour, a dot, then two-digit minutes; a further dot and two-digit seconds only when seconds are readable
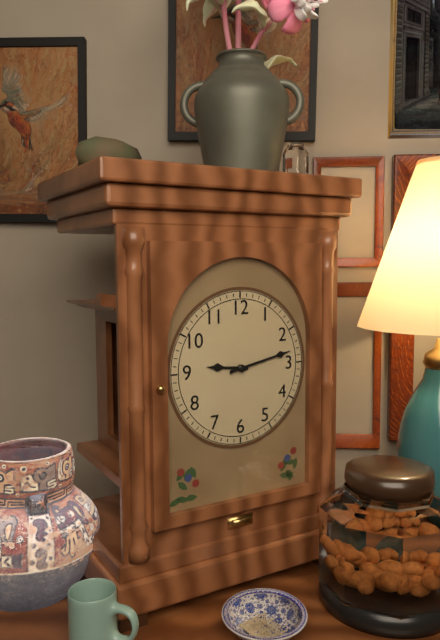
9.13
